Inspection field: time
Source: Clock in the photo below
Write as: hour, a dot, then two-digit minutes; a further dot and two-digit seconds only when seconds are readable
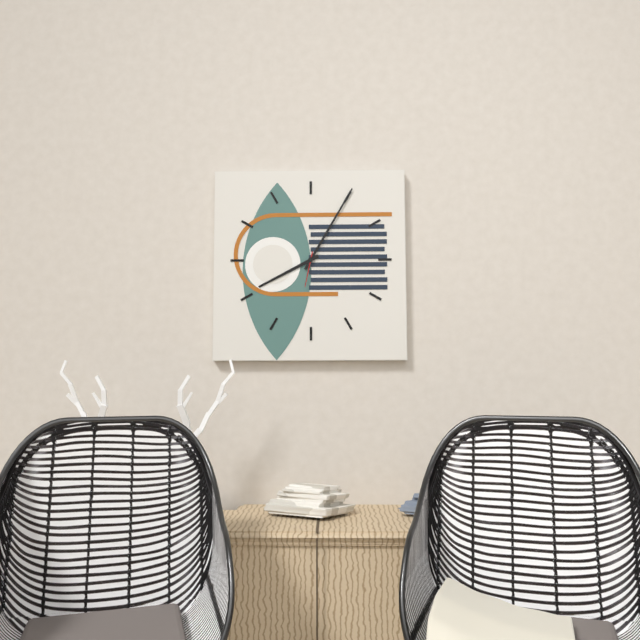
8.05
